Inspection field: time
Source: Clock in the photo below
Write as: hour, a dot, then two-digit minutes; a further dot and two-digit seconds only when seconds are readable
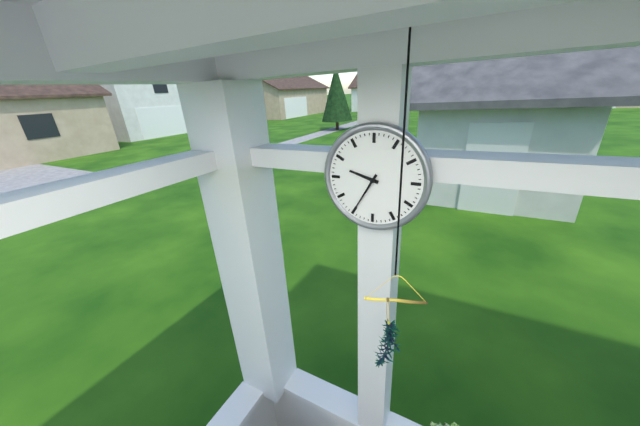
9.35
